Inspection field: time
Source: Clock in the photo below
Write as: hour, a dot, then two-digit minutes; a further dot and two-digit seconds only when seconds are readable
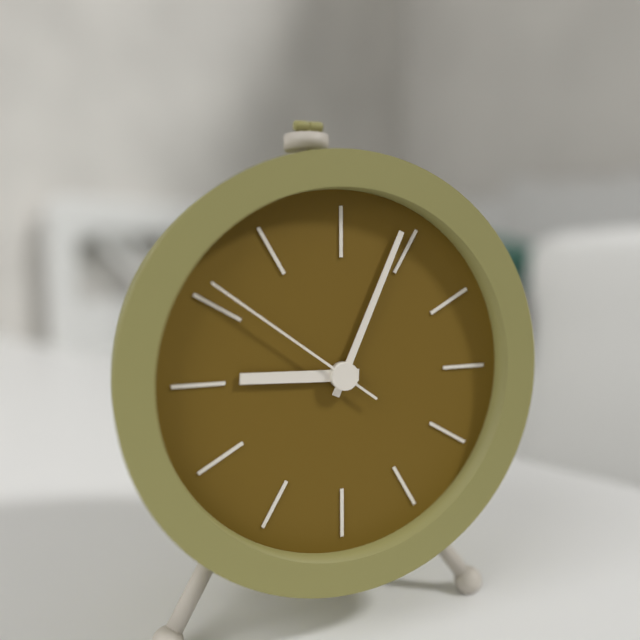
9.04.51
